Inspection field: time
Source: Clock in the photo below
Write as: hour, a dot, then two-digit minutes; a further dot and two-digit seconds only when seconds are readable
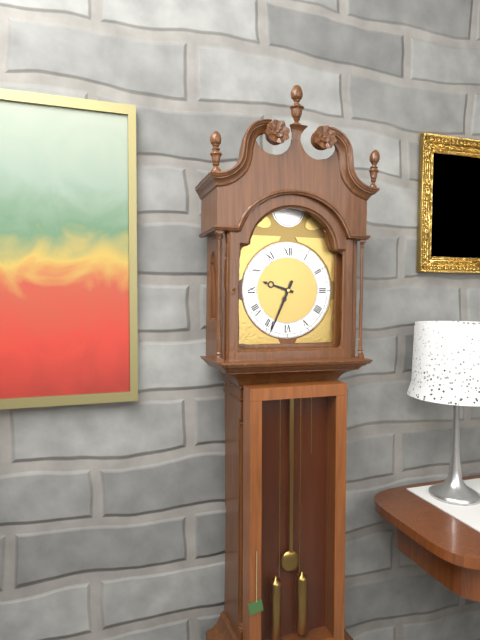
9.34
